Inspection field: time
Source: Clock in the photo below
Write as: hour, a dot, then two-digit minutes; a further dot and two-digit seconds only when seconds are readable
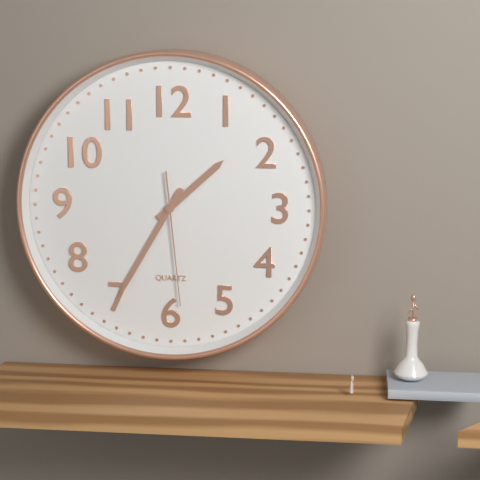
1.35.29
